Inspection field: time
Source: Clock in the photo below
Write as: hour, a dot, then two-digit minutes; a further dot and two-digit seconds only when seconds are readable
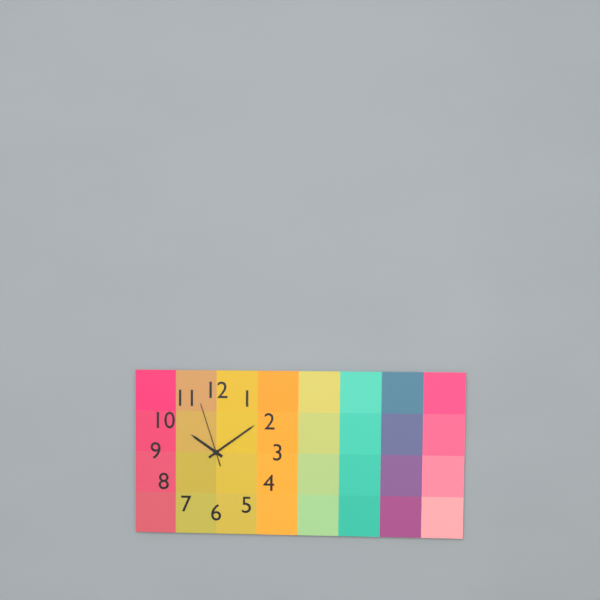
10.09.57
